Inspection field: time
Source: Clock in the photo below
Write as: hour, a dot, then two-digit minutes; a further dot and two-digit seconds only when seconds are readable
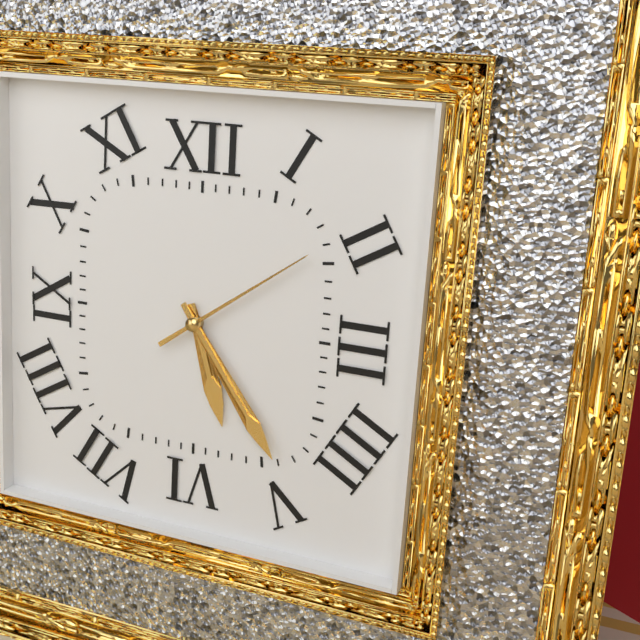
5.24.09
